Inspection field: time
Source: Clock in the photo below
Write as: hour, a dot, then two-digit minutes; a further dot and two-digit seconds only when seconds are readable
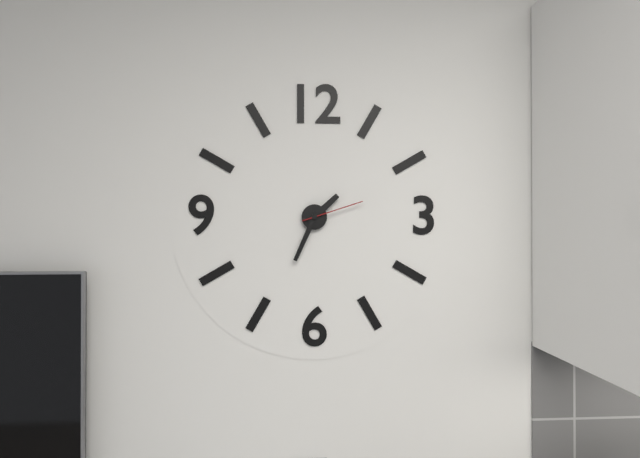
1.34.12
